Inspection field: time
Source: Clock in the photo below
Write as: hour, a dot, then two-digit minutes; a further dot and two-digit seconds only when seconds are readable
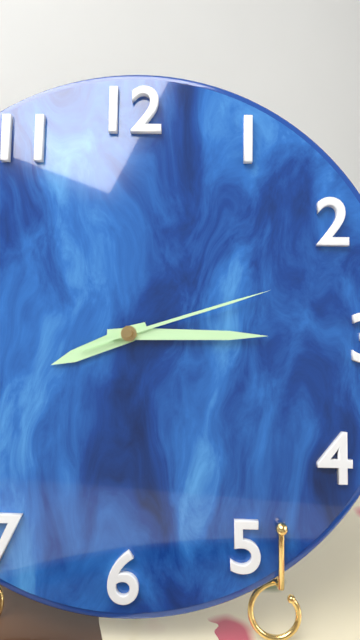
8.15.12
